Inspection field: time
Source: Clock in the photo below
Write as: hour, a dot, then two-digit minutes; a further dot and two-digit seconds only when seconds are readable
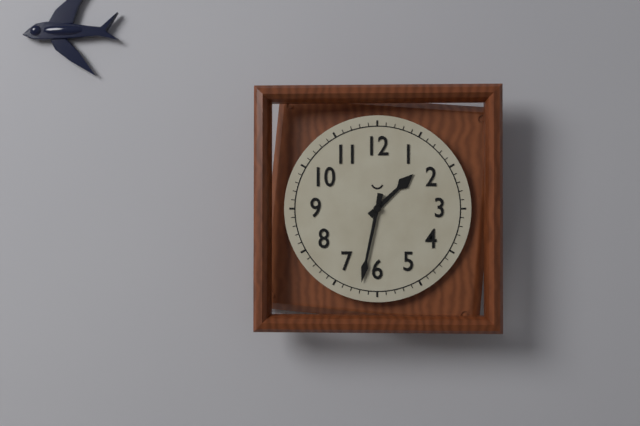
1.32
